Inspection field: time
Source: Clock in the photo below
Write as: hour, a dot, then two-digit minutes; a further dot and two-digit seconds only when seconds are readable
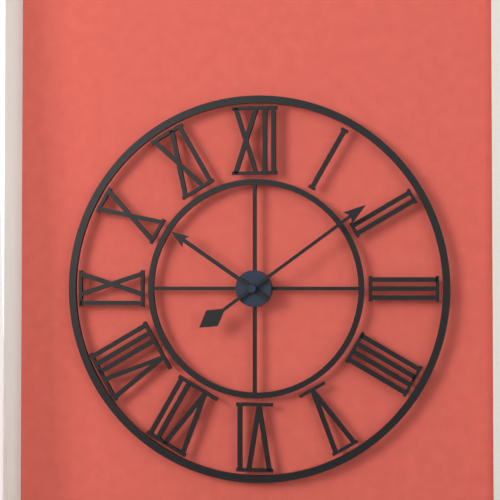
10.09
